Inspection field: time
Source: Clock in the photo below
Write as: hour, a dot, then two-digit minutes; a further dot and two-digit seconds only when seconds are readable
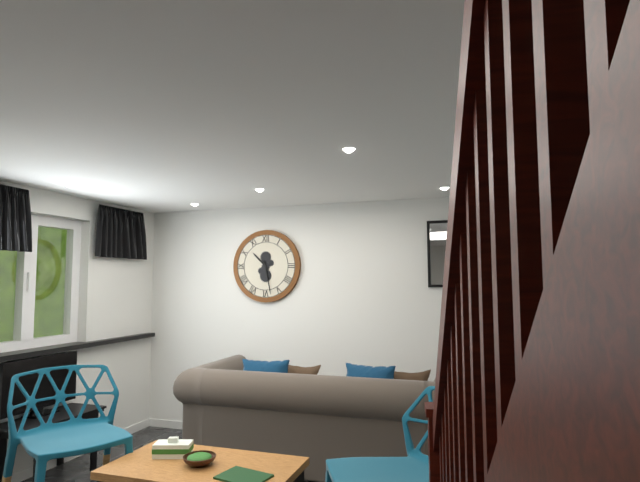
10.28
